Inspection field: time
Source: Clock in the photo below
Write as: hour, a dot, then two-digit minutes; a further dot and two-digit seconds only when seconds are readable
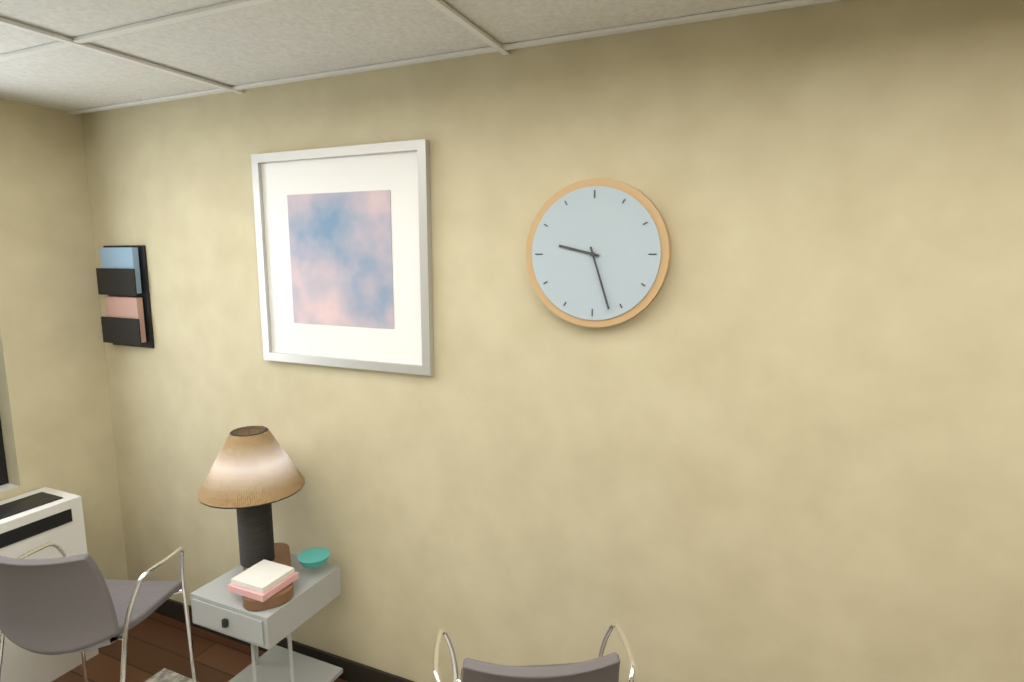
9.27
